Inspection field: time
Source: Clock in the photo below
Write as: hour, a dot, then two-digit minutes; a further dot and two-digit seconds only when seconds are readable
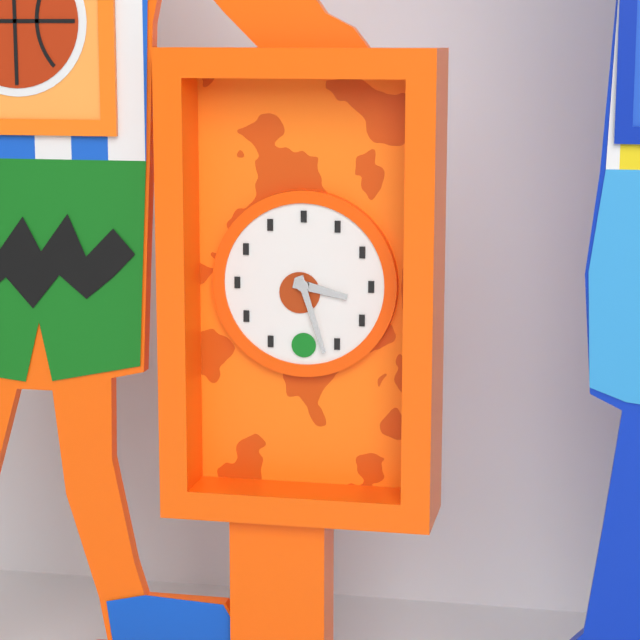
3.27
